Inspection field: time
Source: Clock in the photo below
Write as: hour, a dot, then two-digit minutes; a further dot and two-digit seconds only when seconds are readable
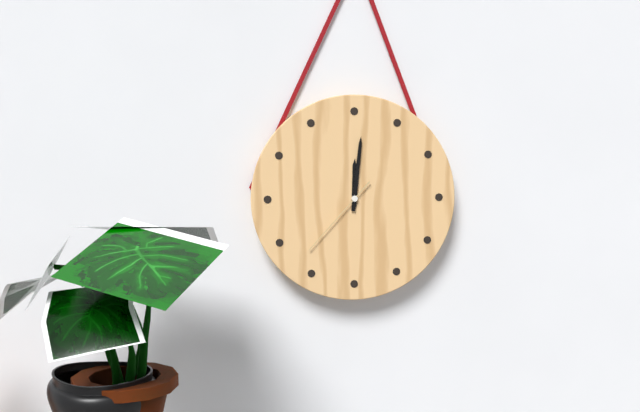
12.01.37
